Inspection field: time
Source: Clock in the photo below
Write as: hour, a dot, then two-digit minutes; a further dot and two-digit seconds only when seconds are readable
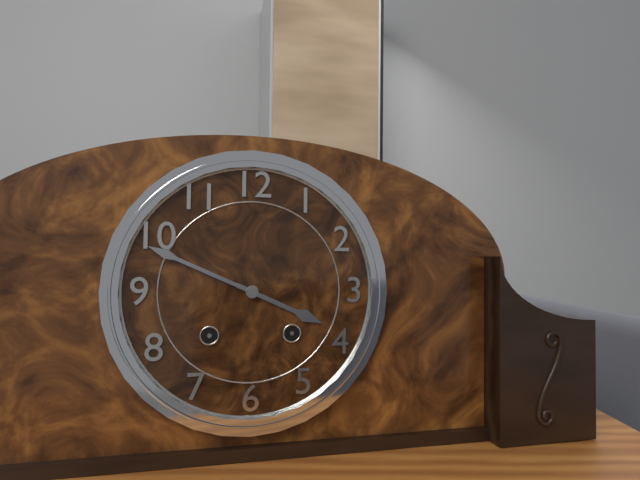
3.49
